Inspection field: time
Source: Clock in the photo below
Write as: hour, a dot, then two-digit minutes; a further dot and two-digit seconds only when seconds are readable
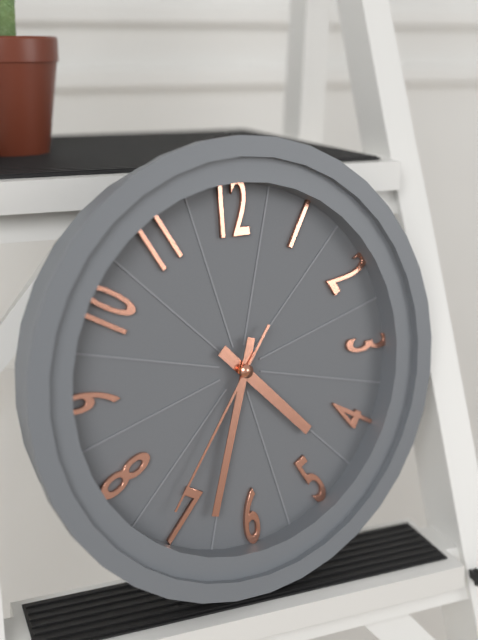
4.33.36
